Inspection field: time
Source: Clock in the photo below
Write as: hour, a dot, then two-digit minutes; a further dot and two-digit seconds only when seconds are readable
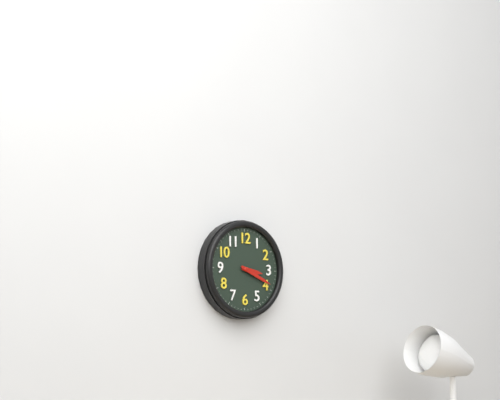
3.19
